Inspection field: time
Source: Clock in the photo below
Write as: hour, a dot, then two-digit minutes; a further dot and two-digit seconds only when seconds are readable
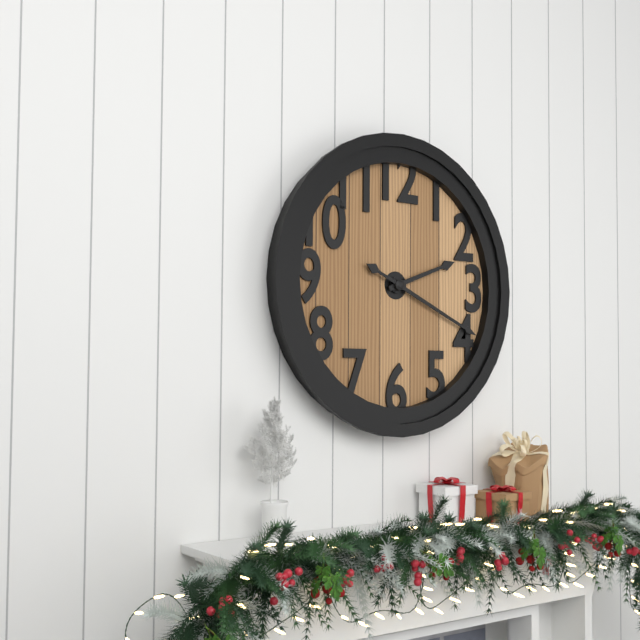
2.19
